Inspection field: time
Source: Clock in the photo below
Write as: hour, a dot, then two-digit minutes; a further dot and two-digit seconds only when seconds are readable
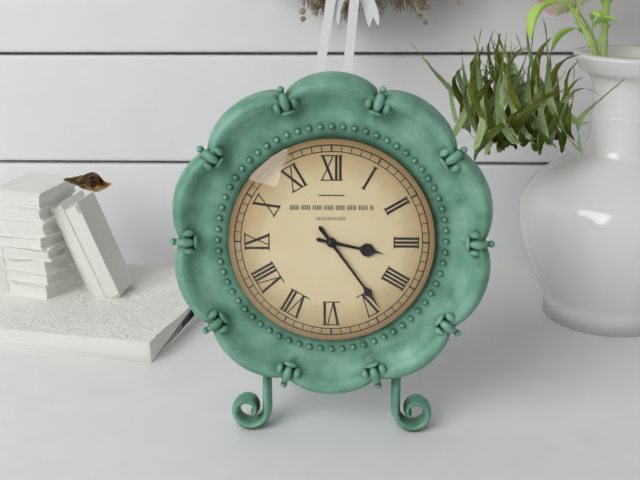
3.24
